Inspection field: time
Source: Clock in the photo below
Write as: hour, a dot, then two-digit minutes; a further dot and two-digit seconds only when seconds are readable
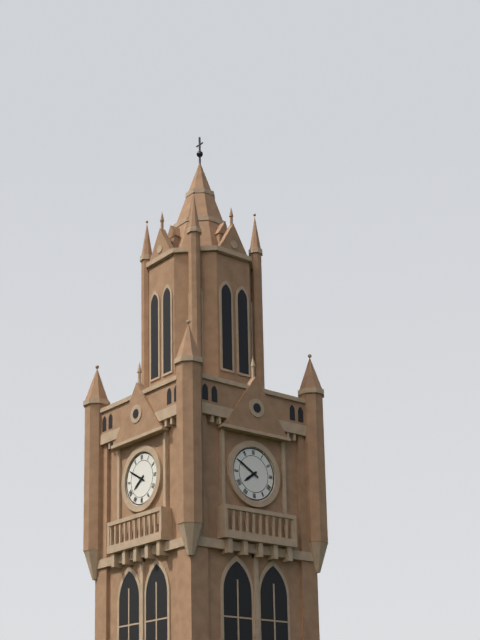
7.50
